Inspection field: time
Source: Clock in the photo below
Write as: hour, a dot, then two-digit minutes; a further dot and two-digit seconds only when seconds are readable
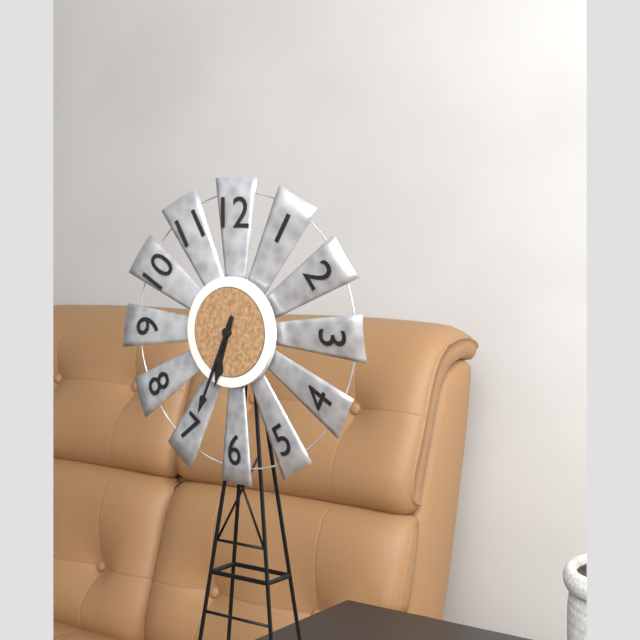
6.34
